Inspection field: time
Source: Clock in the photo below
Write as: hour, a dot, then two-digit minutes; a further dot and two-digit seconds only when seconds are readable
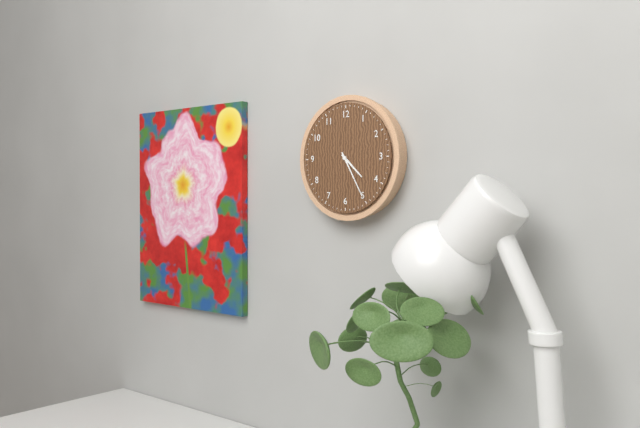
4.25
